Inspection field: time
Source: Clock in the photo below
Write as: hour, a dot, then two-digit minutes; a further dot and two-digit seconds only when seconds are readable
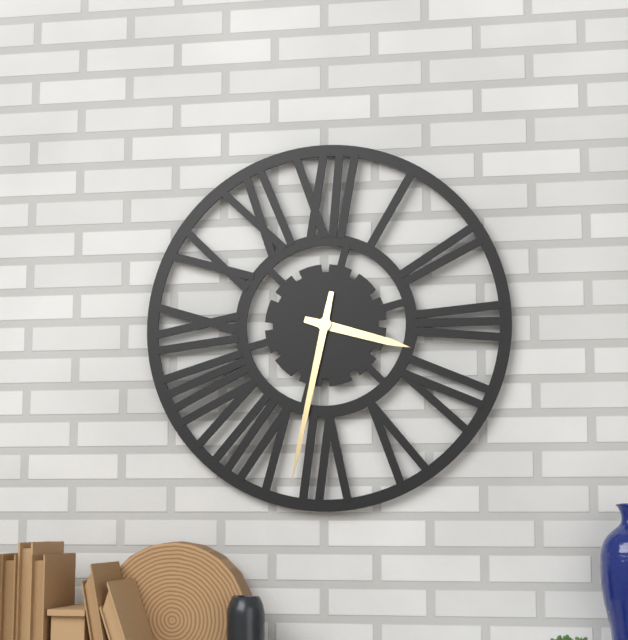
3.32
